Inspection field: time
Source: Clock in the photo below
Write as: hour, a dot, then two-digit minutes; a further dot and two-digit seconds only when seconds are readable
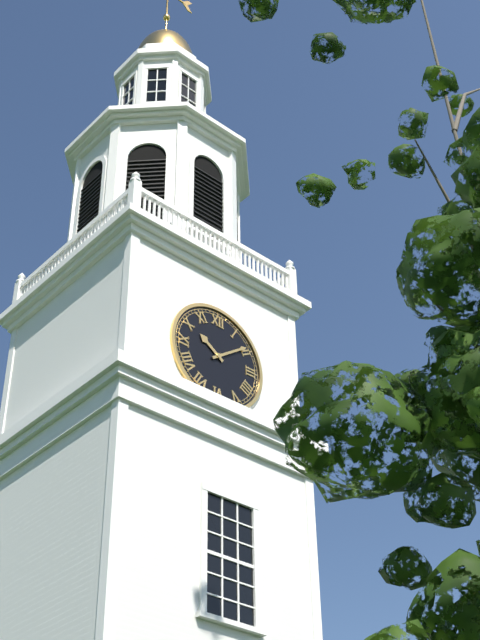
10.09
